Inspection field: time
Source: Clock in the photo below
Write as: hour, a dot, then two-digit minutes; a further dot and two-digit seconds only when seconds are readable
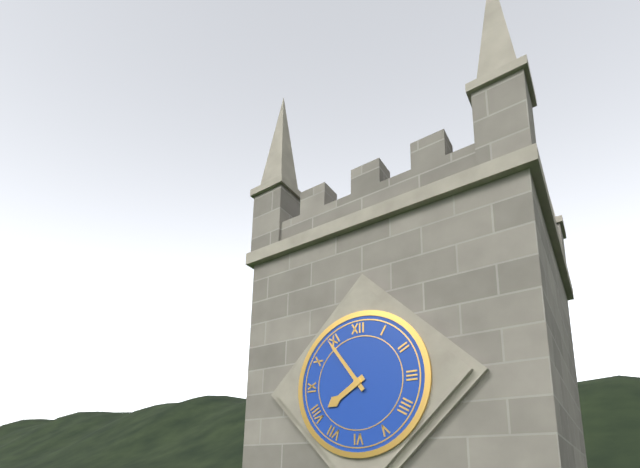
7.54
